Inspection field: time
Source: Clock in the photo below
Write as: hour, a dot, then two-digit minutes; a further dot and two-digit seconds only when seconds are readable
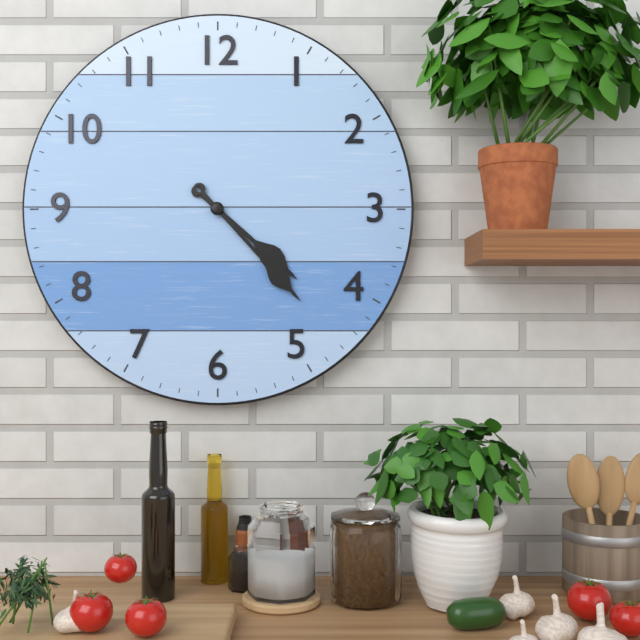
4.23
